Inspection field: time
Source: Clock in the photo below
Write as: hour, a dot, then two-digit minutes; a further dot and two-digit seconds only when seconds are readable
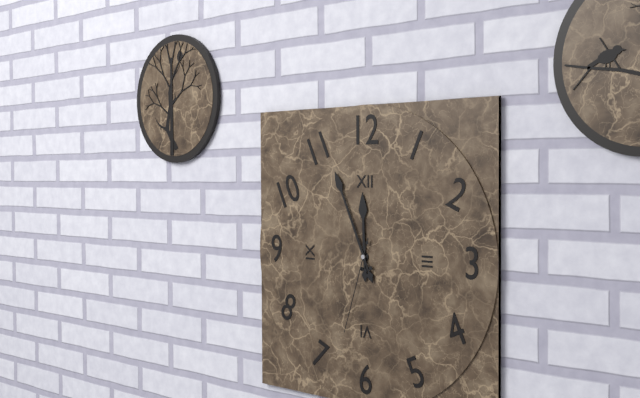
11.56.33
